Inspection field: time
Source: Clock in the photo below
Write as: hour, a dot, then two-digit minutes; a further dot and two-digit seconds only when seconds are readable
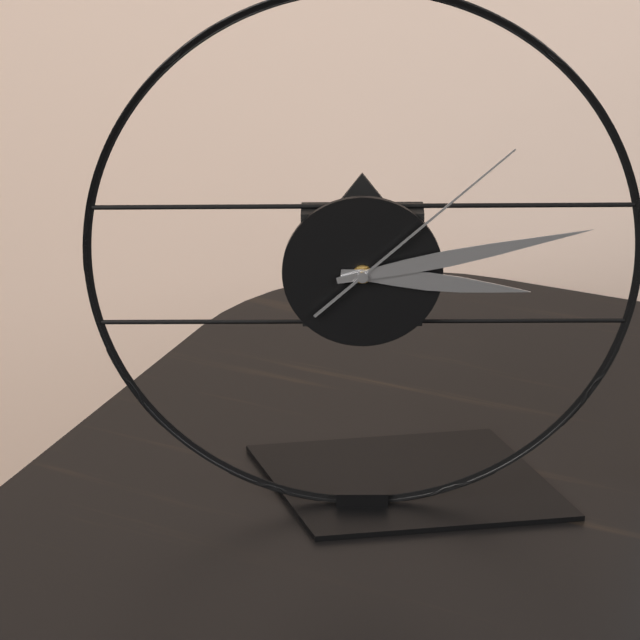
3.13.08
